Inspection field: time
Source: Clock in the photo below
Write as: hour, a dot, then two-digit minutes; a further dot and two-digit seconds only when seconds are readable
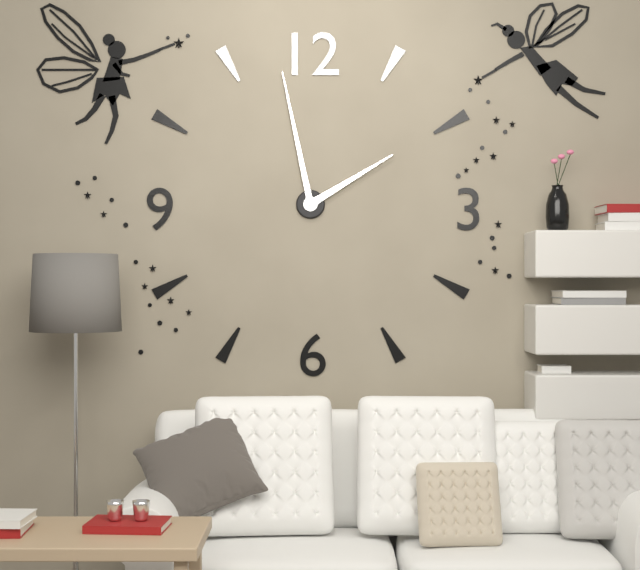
1.58
